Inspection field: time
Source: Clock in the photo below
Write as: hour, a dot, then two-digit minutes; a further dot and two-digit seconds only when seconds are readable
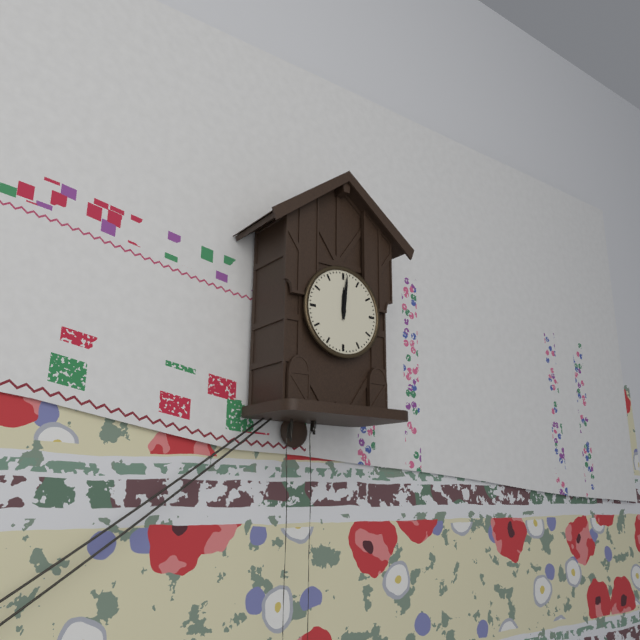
12.01
